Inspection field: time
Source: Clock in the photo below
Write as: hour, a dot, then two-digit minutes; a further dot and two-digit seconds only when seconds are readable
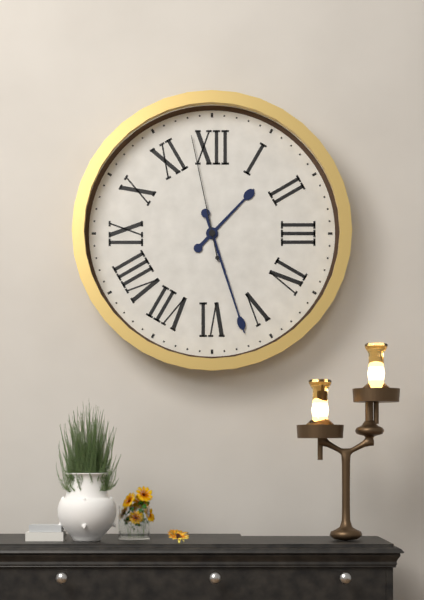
1.27.58
